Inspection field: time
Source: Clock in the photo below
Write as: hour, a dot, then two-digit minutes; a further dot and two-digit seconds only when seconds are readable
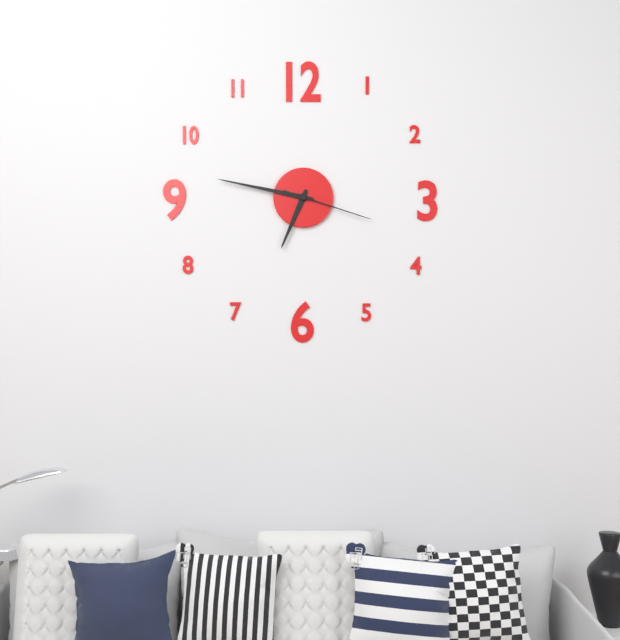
6.47.18
